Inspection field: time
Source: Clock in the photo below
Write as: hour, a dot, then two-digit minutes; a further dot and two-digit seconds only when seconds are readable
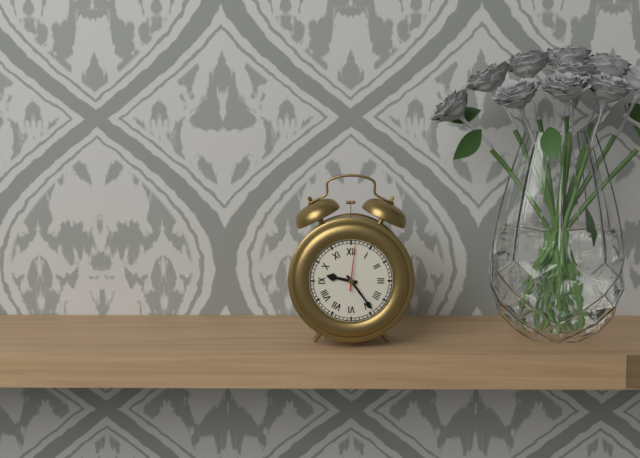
9.24
